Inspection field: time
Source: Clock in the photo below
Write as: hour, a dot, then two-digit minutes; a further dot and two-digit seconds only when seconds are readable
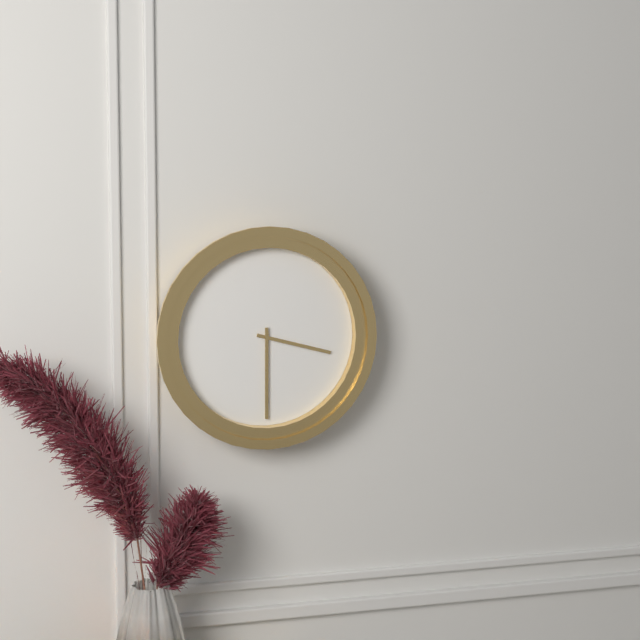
3.30
